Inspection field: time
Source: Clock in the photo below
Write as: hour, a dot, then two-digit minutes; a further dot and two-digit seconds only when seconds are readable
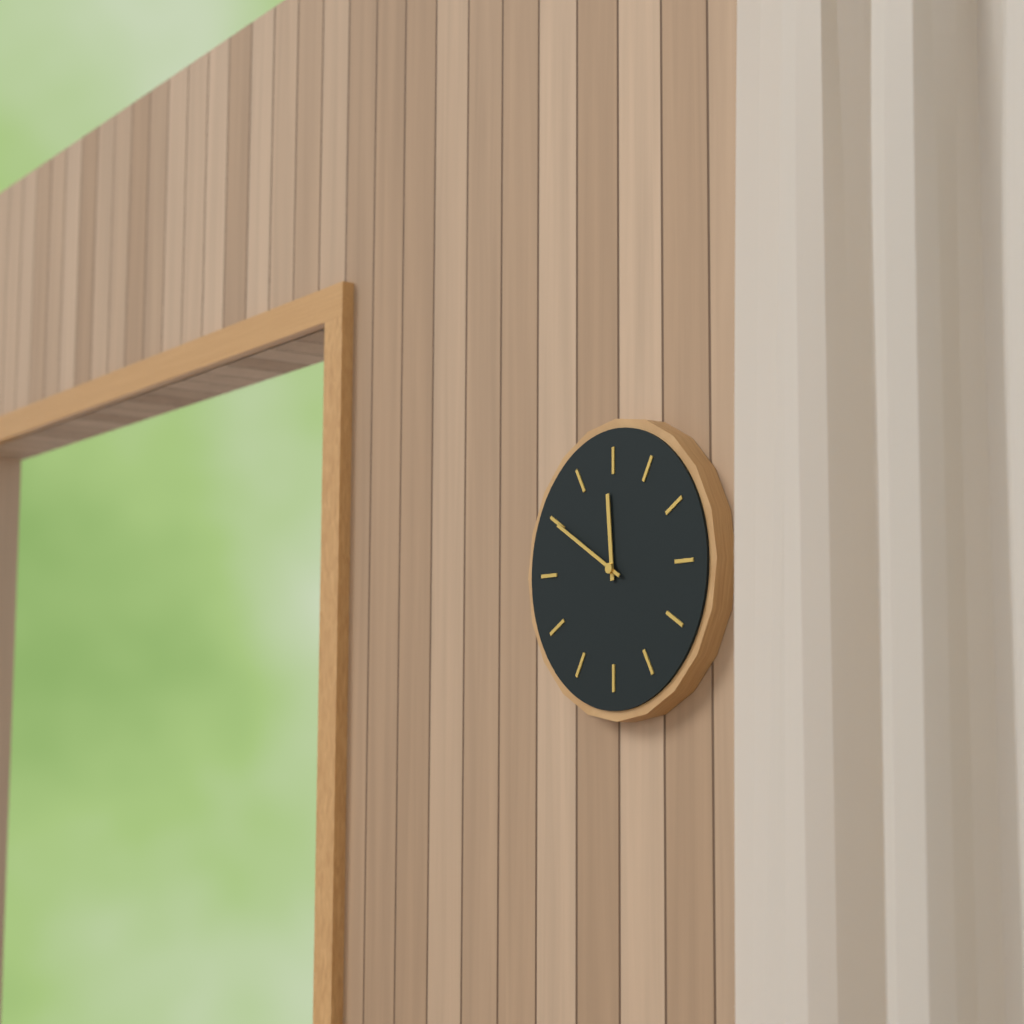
11.50
